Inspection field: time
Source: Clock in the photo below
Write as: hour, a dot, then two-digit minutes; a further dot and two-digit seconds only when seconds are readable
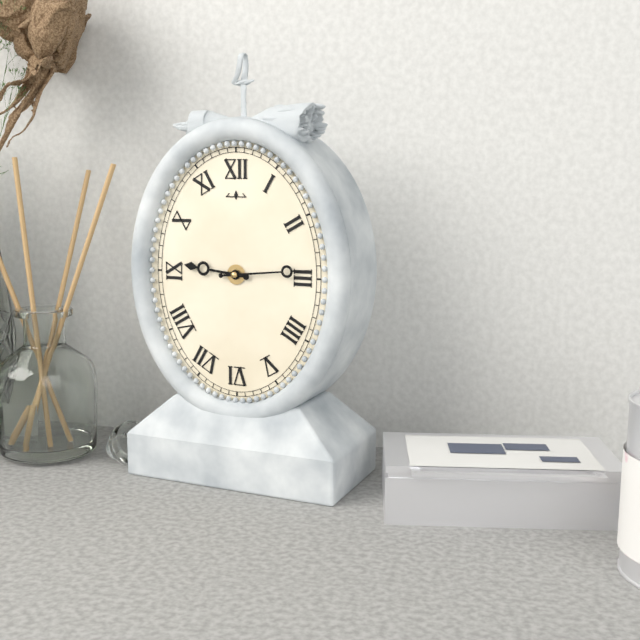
9.14
